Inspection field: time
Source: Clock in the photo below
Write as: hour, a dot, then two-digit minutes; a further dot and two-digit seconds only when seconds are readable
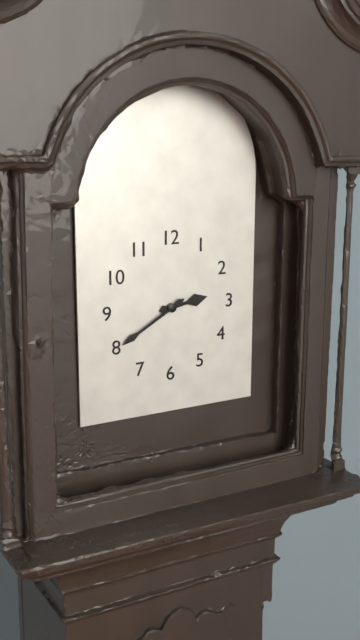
2.40
